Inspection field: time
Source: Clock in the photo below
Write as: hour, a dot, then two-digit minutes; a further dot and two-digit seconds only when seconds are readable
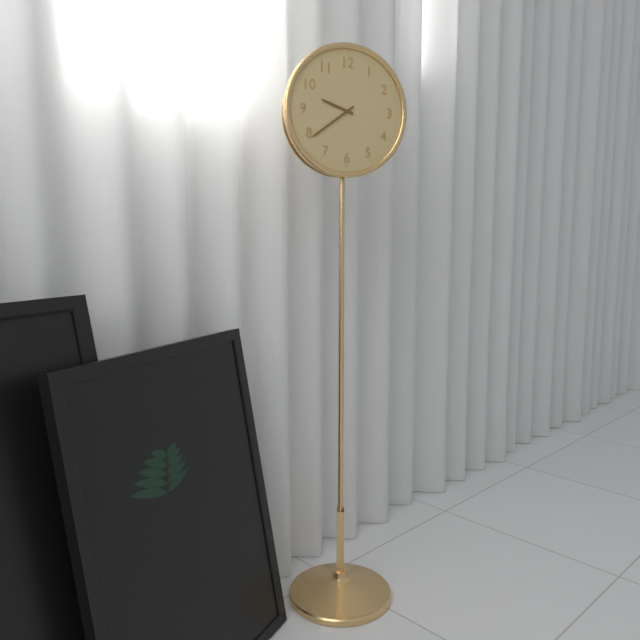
9.39
